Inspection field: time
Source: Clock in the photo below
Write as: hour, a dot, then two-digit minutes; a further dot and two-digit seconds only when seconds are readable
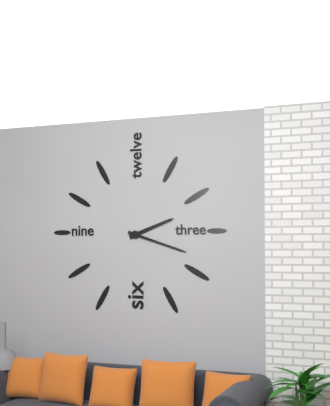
2.18
